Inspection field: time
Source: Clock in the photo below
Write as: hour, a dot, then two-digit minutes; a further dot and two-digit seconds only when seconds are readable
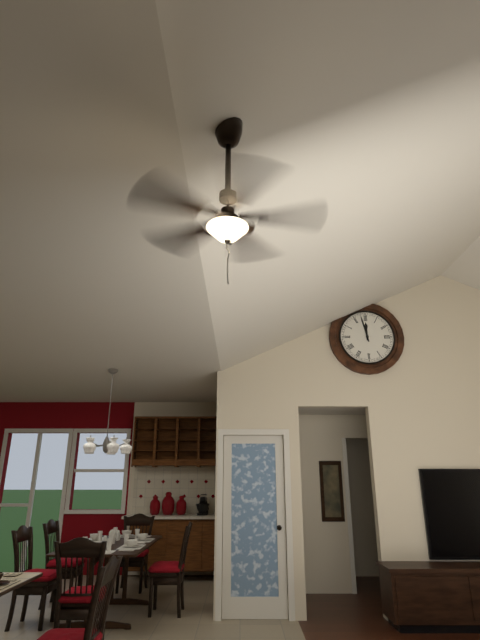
11.58
